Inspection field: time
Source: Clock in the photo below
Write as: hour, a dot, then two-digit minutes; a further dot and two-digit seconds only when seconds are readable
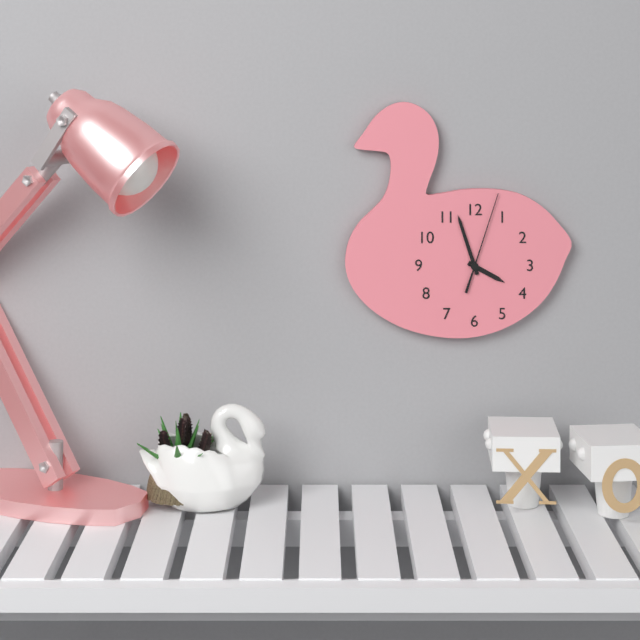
3.57.03
